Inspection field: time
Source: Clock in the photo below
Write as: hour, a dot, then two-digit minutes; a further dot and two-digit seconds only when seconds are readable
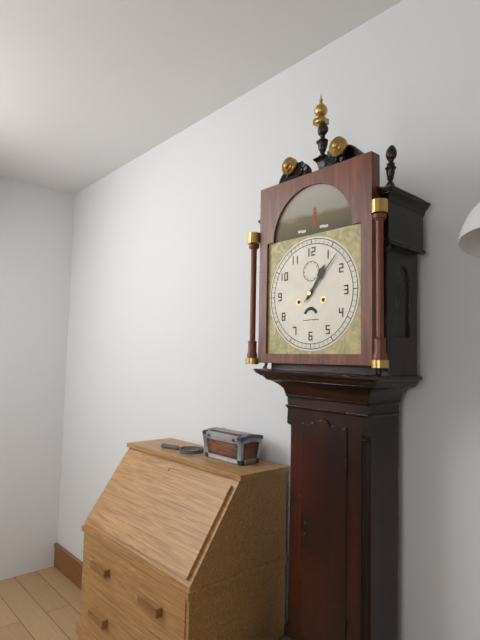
1.07
